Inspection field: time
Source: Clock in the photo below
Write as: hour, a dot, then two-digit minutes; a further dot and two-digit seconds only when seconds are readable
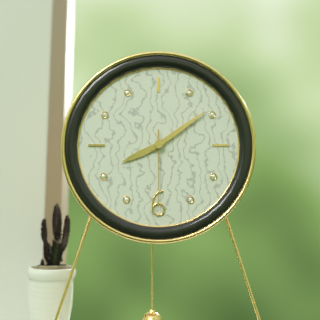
8.09.30
